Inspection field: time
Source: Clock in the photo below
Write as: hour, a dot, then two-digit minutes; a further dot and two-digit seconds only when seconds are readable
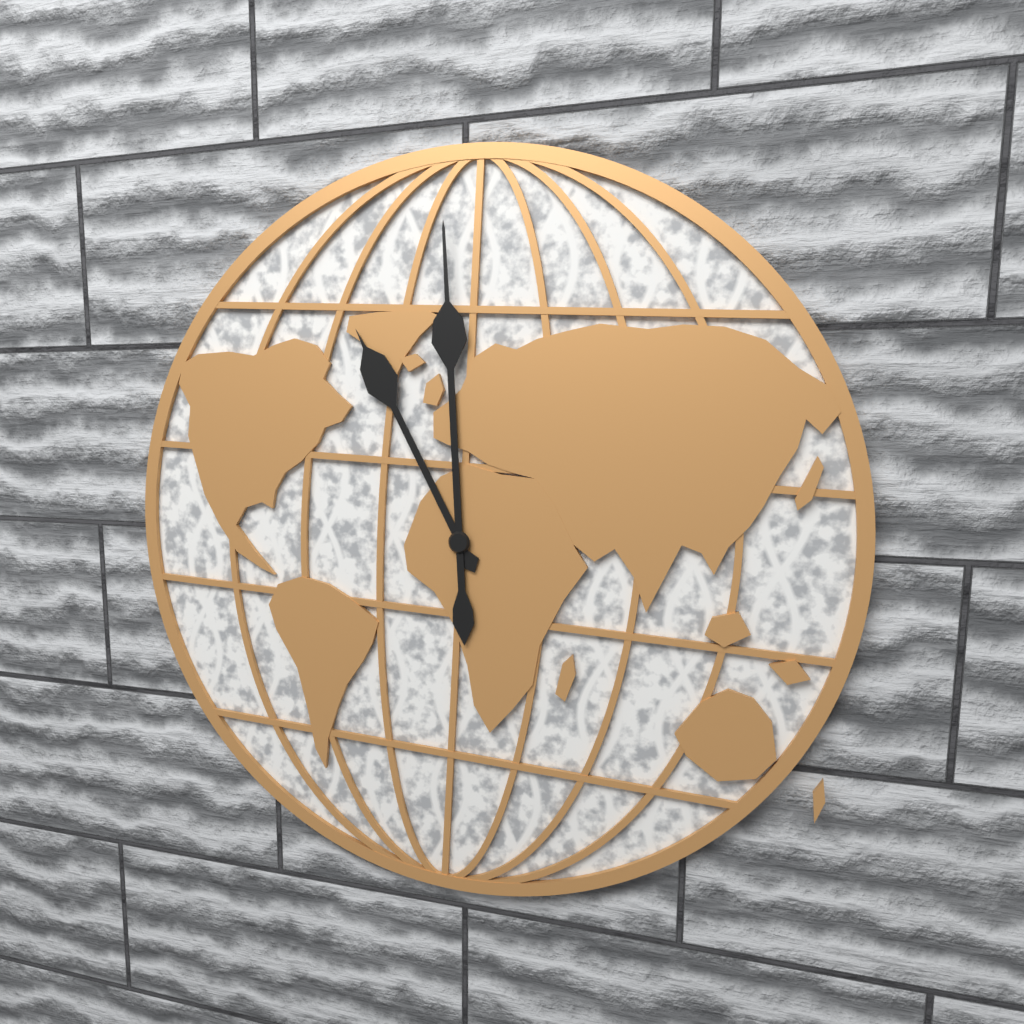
10.59
